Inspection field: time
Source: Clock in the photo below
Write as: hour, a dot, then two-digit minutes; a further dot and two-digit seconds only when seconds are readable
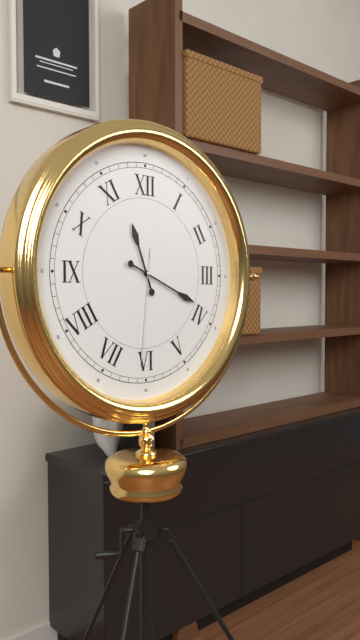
11.19.31
